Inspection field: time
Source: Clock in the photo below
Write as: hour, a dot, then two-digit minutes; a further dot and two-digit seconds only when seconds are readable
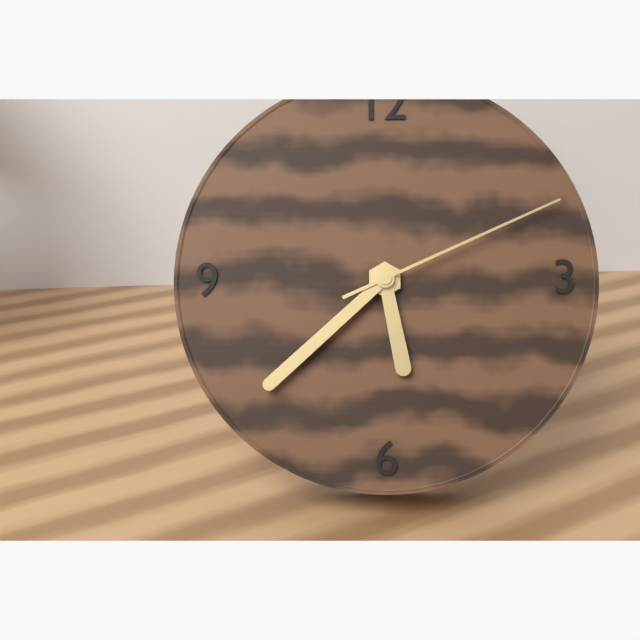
5.38.11
